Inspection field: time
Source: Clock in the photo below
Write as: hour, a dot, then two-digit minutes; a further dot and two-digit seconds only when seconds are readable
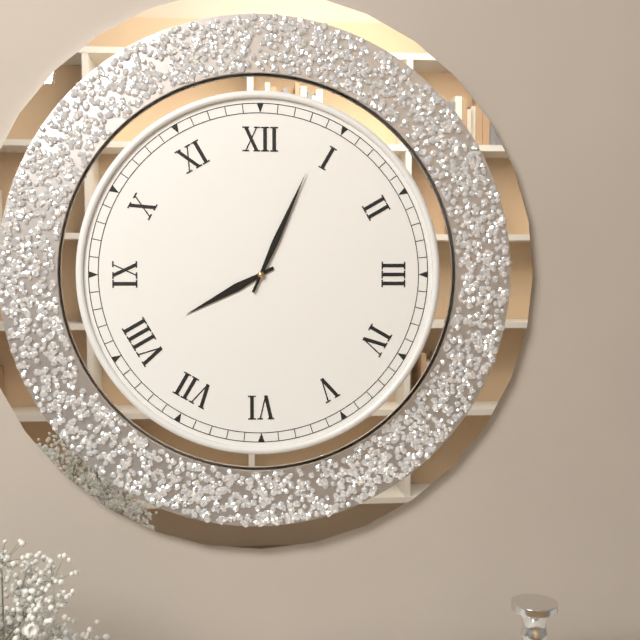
8.04
